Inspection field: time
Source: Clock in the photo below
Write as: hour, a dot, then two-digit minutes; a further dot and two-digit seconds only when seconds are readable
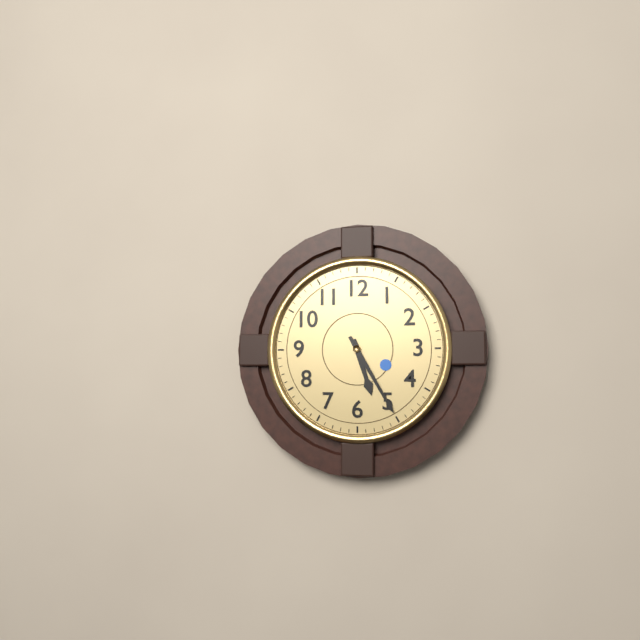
5.25
